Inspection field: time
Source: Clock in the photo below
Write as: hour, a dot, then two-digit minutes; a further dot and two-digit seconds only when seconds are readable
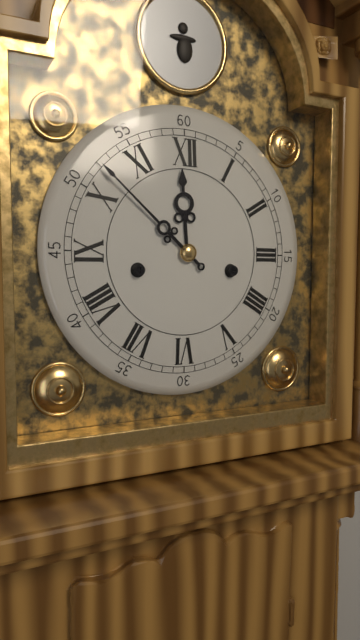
11.52
